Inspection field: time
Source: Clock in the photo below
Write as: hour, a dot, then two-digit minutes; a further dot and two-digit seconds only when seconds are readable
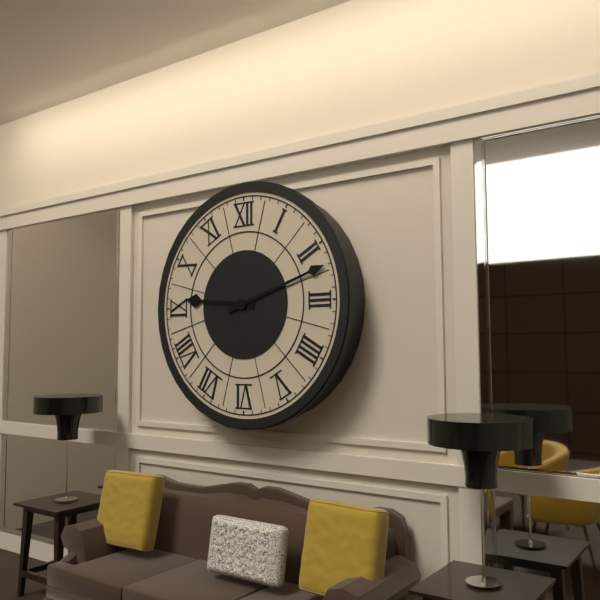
9.12
